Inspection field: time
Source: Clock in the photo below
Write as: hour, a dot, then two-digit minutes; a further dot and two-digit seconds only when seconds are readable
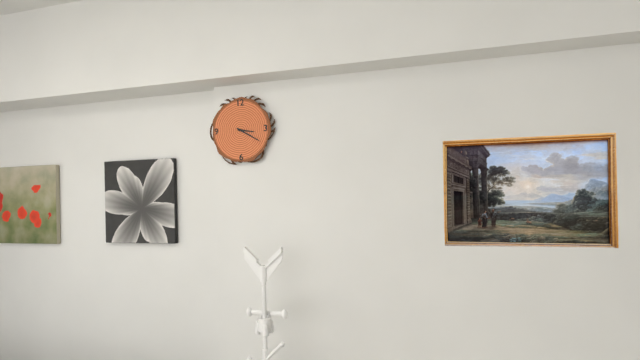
3.20
